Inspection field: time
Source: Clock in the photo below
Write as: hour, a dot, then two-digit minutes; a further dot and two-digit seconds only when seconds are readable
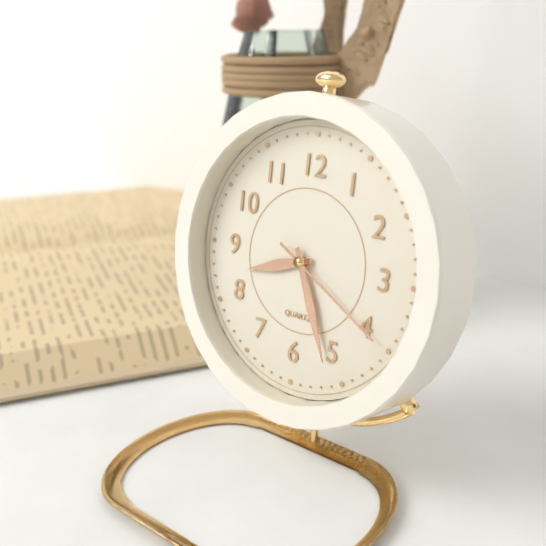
8.26.20
